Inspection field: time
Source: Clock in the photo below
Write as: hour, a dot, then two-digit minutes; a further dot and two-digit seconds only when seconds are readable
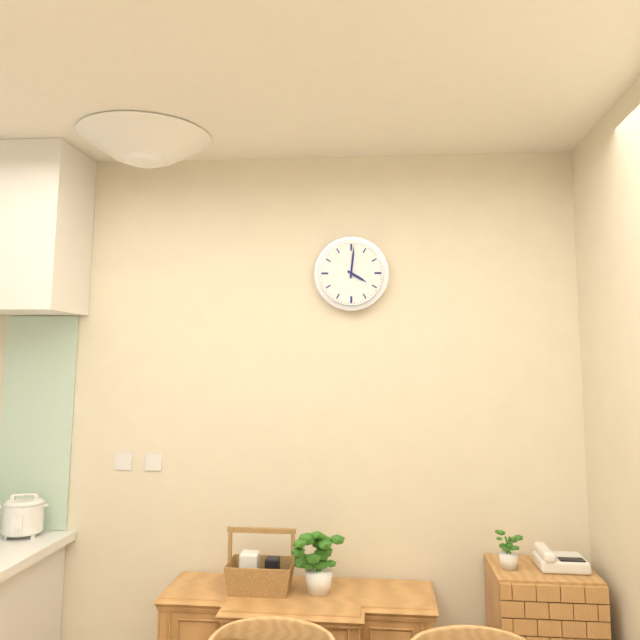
4.01
